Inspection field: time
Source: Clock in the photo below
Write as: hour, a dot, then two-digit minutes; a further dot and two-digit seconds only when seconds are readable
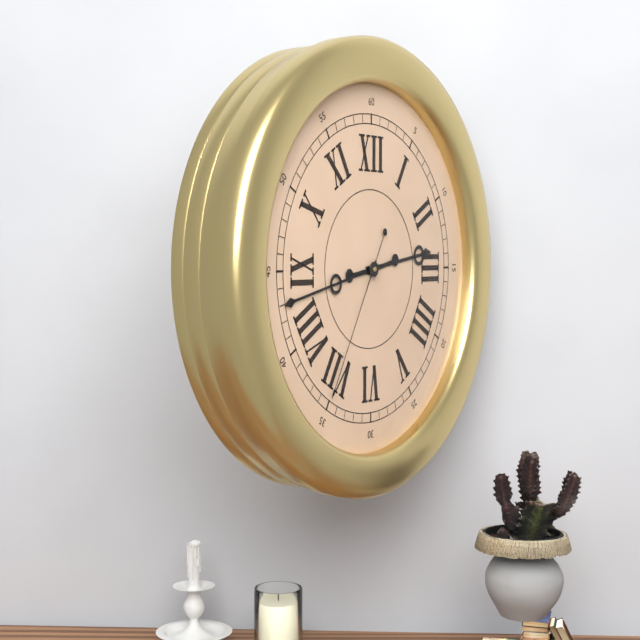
2.43.35
